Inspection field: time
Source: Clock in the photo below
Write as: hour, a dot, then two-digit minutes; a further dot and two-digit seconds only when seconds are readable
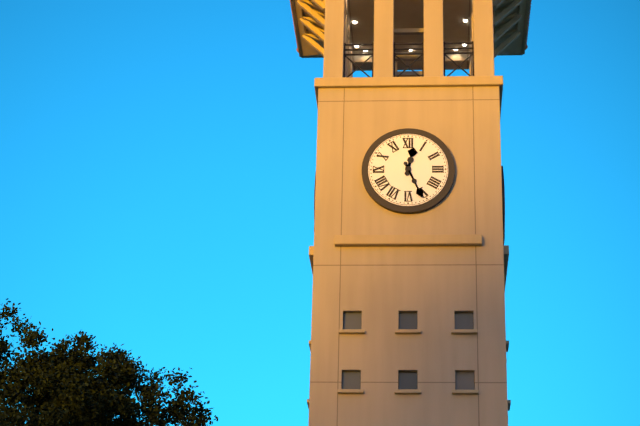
12.26
